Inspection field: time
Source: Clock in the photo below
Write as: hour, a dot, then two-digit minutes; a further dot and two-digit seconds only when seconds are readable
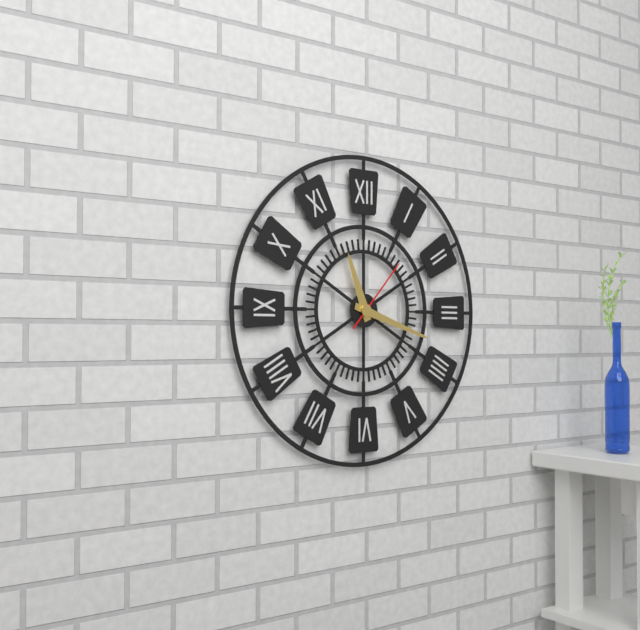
11.18.07
